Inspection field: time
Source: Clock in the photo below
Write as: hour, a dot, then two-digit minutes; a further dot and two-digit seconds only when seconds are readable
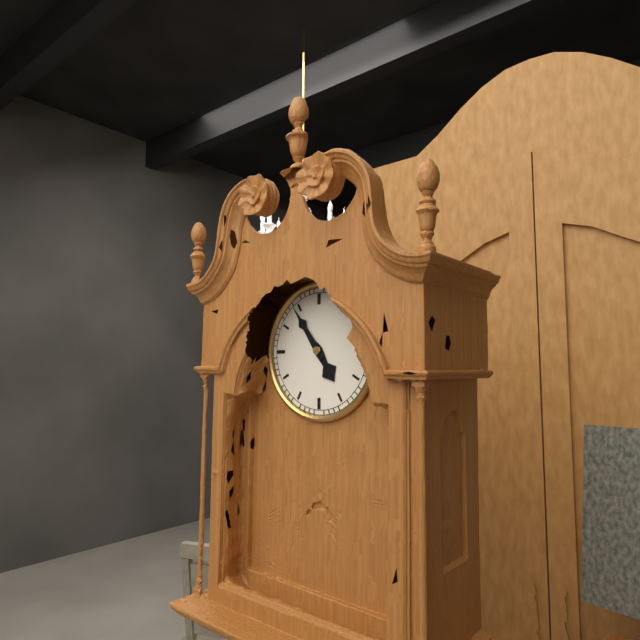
4.54
